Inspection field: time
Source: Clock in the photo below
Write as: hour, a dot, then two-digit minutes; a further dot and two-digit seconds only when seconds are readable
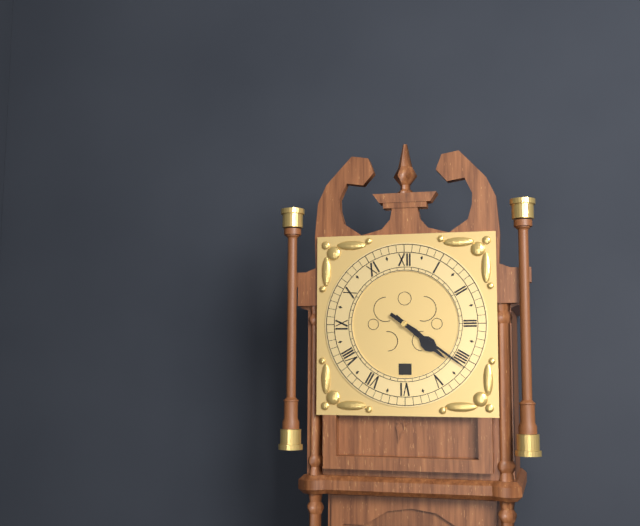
4.21
